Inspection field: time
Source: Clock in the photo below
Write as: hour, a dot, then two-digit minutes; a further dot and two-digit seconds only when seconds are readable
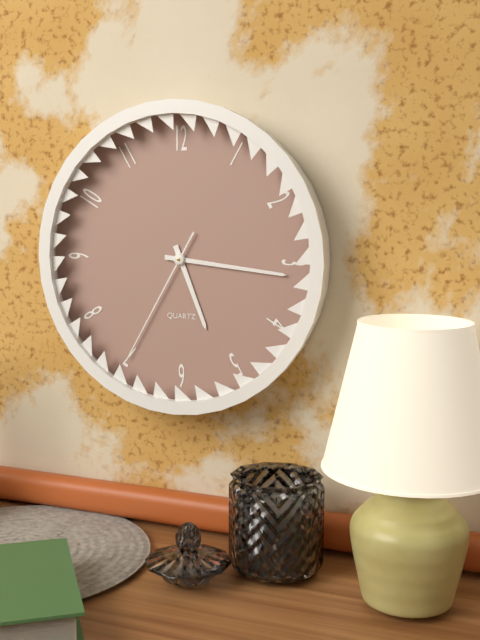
5.16.35
